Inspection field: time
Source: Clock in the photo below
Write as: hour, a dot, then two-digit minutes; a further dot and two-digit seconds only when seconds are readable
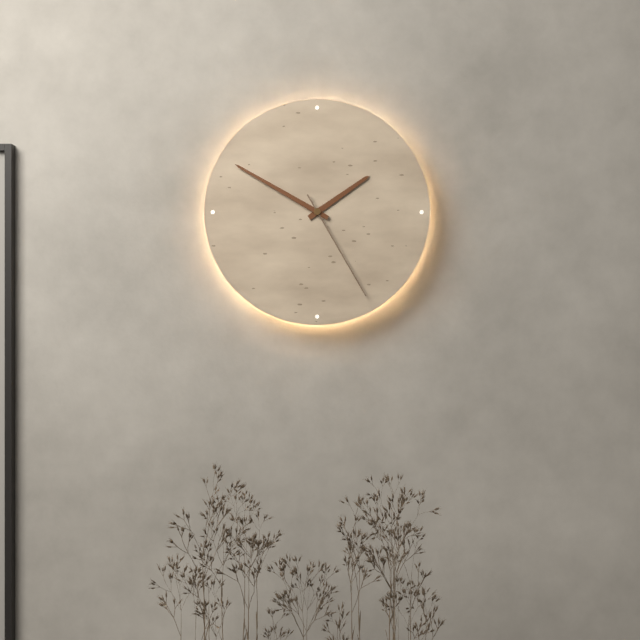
1.50.25
